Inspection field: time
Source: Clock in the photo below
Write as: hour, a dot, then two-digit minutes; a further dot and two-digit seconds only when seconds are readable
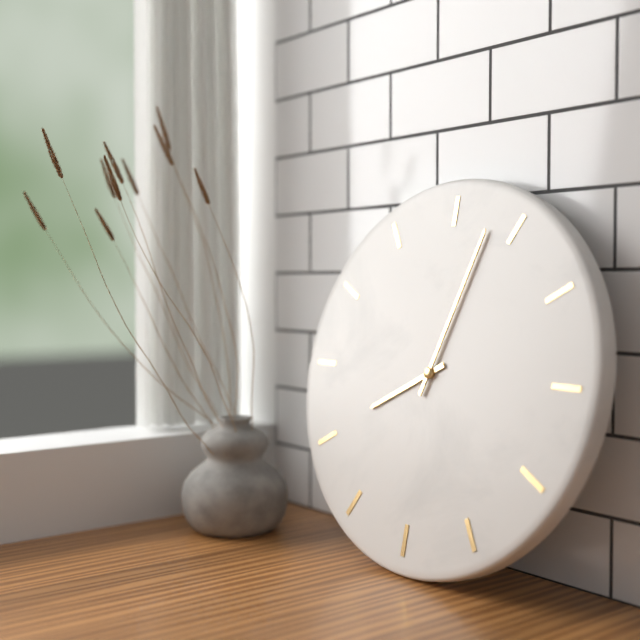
8.03
